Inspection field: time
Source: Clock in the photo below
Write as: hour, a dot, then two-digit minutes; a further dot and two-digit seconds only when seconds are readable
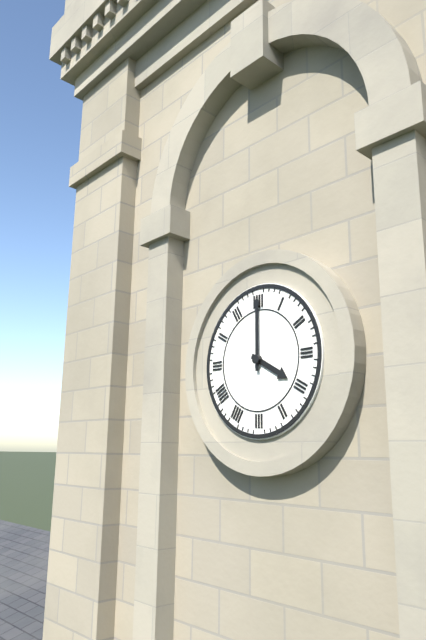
4.00
